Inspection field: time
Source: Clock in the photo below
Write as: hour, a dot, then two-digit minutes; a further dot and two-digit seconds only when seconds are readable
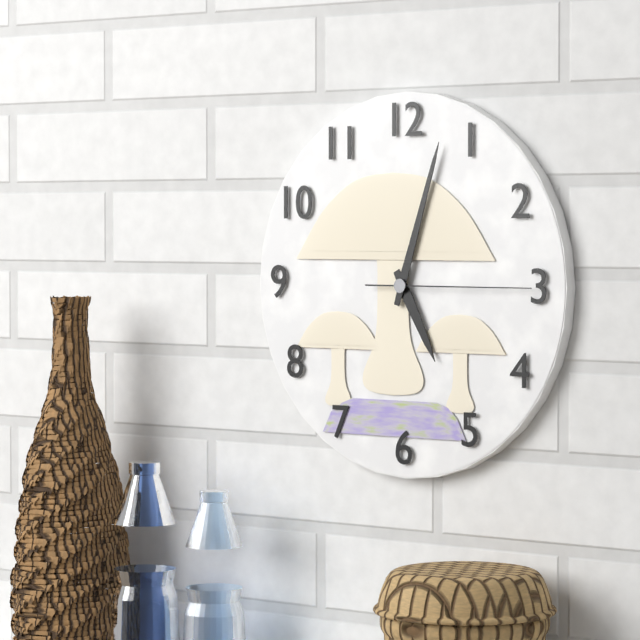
5.03.15
